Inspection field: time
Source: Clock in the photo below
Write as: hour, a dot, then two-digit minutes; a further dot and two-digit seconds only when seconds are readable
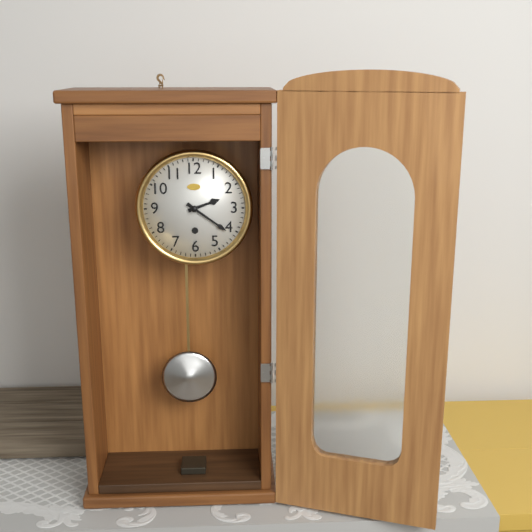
2.21
